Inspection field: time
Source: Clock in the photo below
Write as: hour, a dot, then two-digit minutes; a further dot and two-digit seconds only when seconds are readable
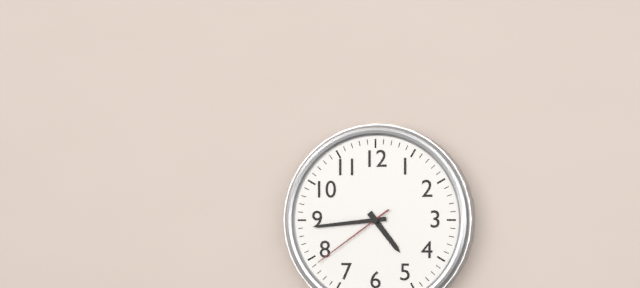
4.44.39
